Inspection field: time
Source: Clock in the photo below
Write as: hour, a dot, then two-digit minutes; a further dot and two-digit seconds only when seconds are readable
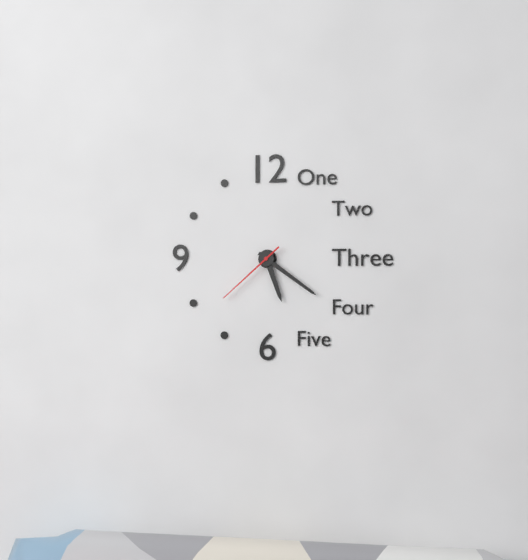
5.21.38
